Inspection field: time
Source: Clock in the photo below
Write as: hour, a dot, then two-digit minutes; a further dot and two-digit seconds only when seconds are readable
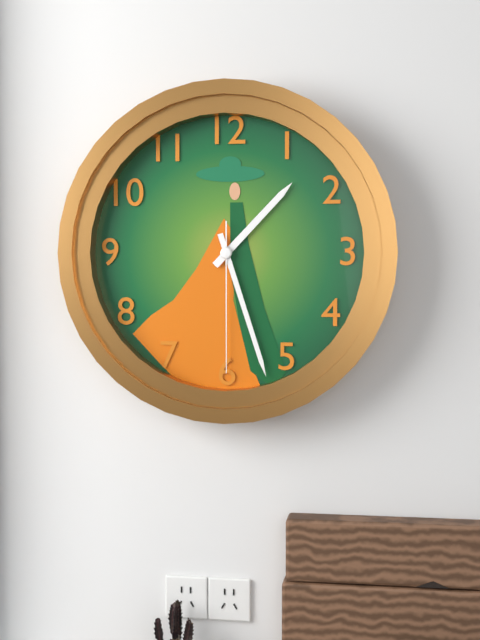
1.27.30
